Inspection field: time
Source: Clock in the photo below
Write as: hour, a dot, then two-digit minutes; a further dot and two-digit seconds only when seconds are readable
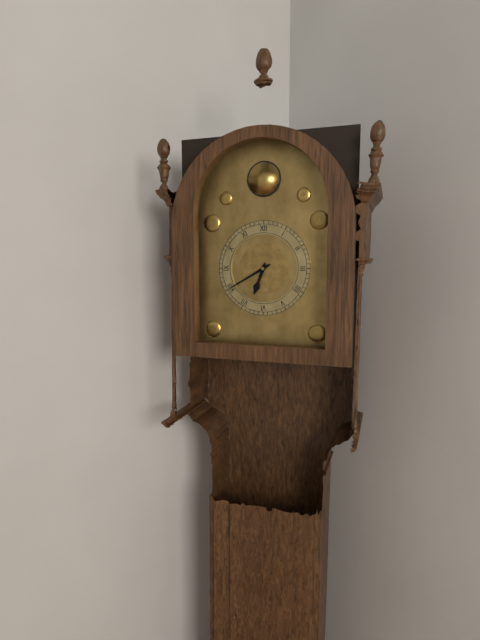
6.40
